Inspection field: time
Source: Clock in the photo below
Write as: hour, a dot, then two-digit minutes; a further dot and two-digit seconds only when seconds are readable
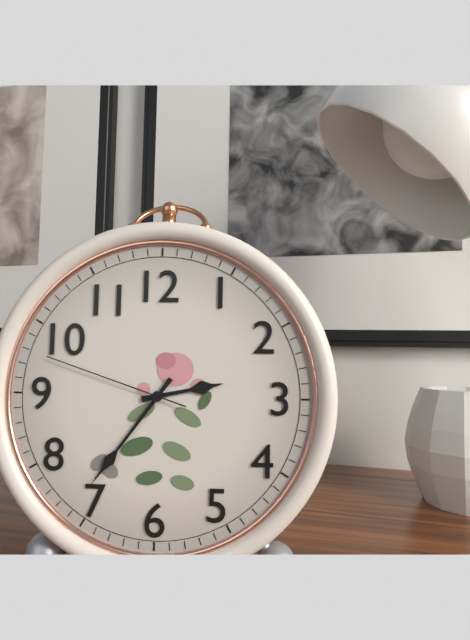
2.36.48
